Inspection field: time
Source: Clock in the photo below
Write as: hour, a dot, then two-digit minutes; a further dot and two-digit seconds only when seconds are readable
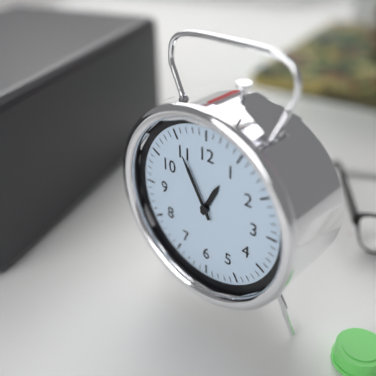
12.55
